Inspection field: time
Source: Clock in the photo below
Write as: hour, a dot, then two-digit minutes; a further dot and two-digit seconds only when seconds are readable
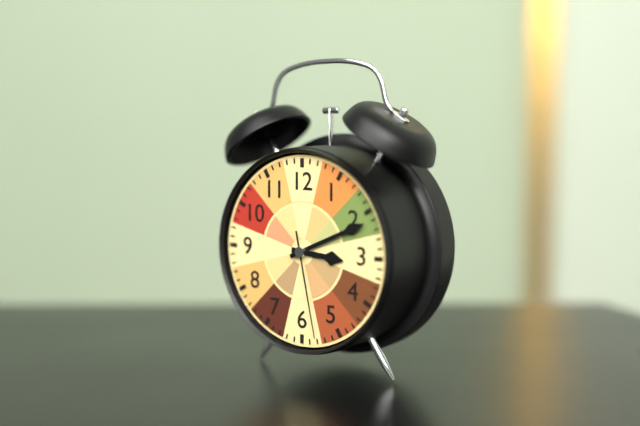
3.11.28
